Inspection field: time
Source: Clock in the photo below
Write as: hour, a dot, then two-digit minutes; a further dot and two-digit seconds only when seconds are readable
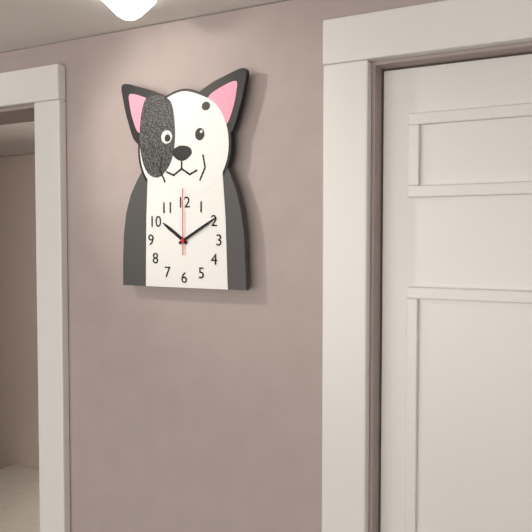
10.10.00
